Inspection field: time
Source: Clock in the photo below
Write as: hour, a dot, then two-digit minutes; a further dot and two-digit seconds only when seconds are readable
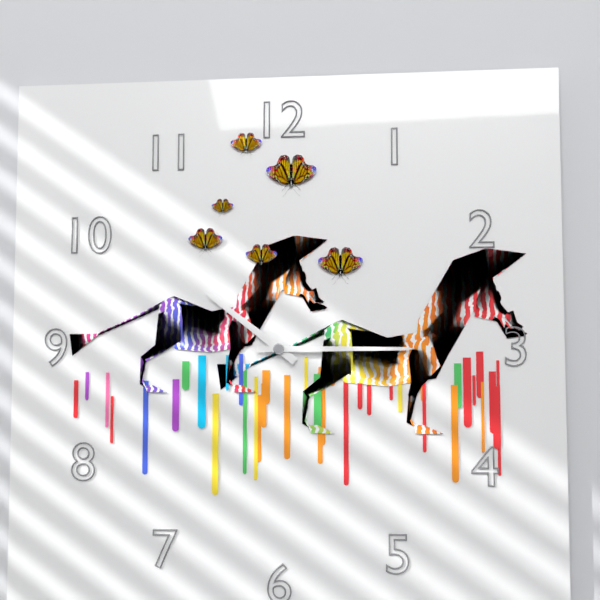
10.15
